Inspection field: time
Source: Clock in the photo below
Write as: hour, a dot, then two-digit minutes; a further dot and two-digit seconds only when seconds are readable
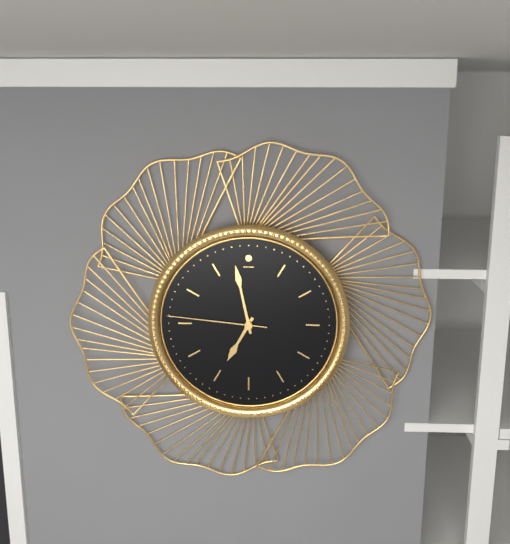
6.58.46
